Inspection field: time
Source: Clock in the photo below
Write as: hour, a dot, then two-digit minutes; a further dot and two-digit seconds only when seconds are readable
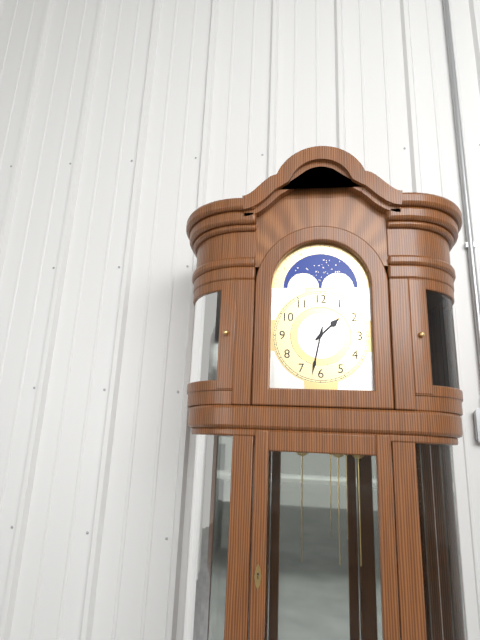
1.32
